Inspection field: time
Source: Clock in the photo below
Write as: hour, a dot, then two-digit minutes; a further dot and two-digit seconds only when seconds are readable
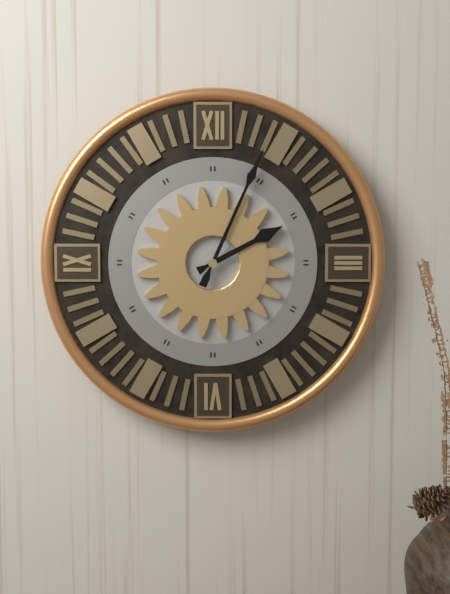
2.04
